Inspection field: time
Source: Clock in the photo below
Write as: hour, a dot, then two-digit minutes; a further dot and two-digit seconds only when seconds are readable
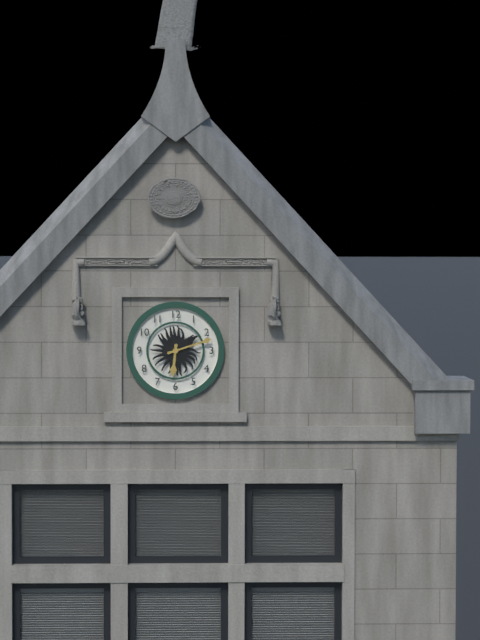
6.12
